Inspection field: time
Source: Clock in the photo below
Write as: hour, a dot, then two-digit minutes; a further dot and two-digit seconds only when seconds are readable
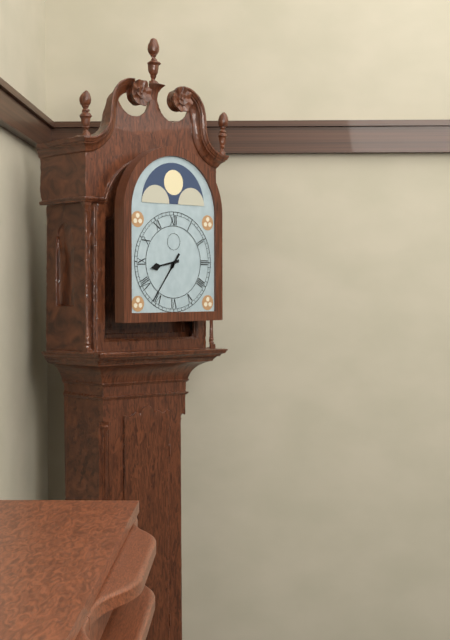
8.36
